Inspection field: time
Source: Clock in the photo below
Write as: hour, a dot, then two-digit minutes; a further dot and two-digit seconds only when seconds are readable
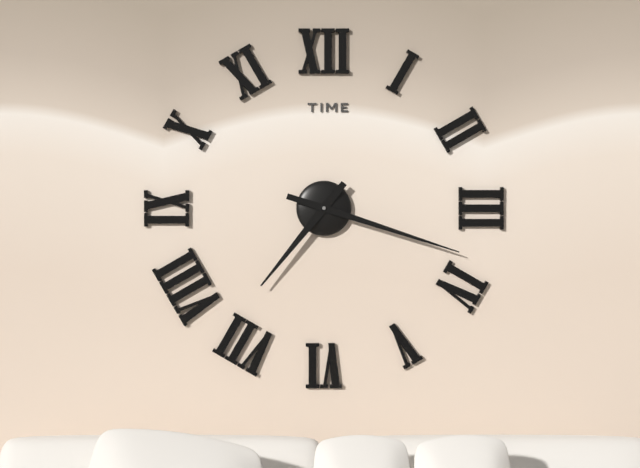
7.18
